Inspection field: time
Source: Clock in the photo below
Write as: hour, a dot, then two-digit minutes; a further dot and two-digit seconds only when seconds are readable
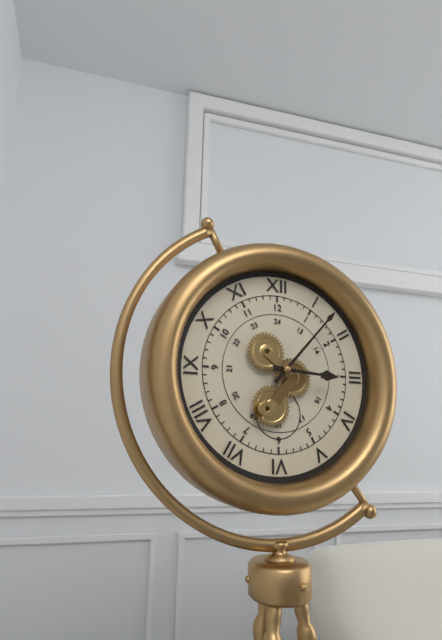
3.07
